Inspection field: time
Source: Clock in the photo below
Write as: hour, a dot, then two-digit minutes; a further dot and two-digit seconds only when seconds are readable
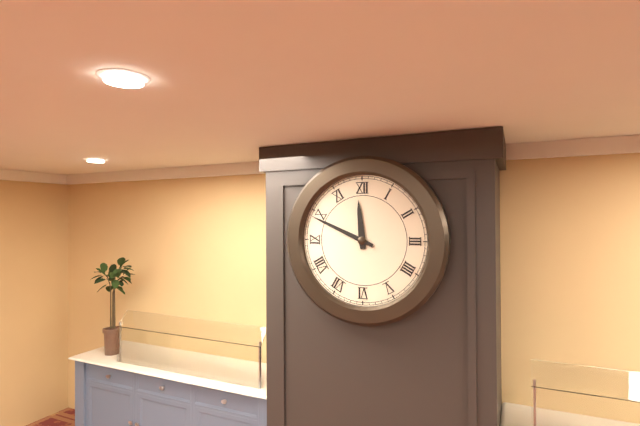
11.49
